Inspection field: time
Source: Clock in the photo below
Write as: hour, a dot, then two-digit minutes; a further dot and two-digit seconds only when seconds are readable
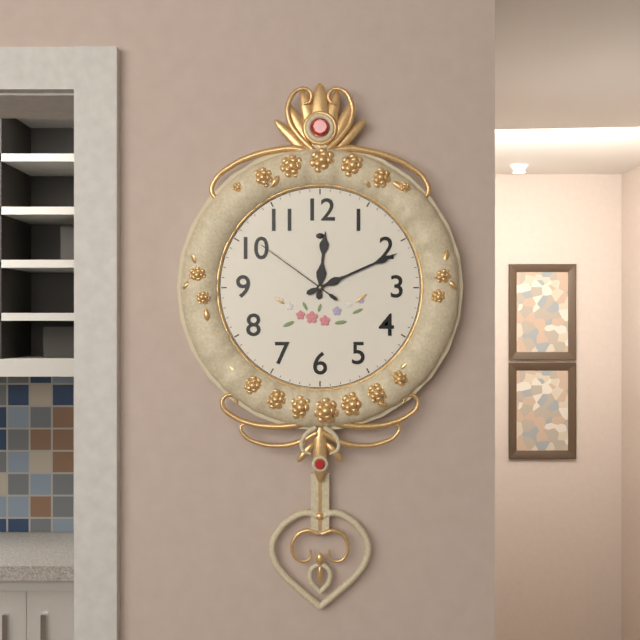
12.11.51
